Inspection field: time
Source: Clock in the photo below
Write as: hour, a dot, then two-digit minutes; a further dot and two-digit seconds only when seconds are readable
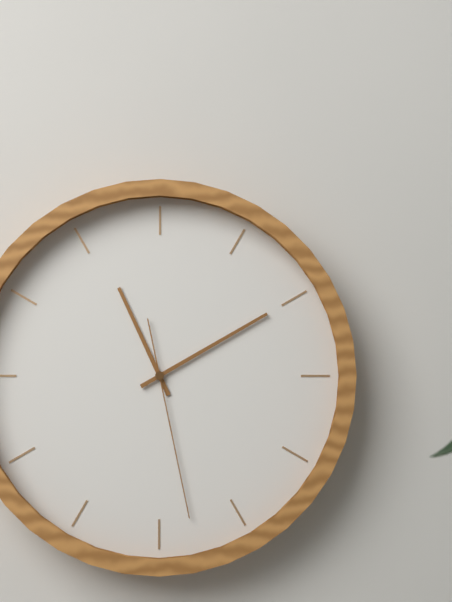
11.10.28
